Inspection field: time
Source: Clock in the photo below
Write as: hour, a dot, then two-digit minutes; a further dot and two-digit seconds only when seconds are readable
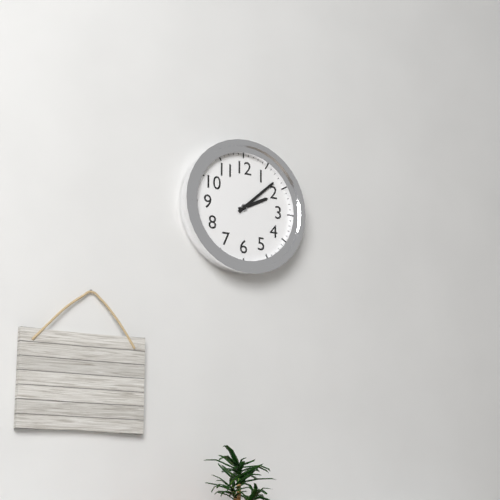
2.08
